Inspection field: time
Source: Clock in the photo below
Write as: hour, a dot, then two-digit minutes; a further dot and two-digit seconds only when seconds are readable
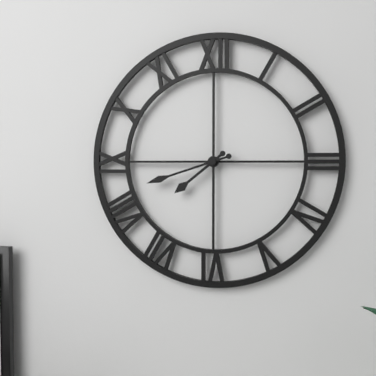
7.42
